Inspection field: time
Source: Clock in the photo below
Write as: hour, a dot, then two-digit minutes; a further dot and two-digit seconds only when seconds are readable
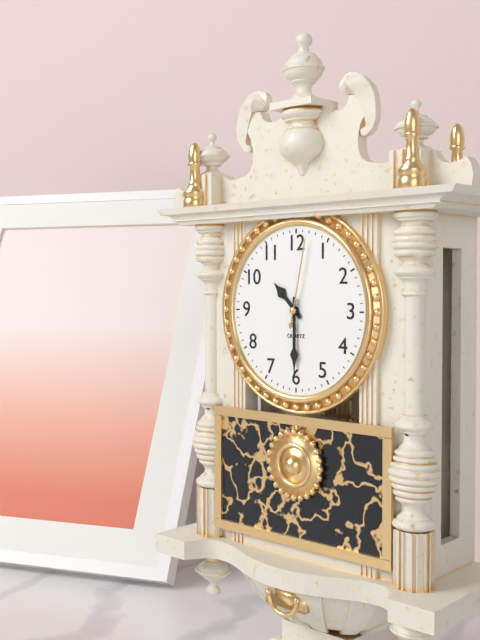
10.30.02
